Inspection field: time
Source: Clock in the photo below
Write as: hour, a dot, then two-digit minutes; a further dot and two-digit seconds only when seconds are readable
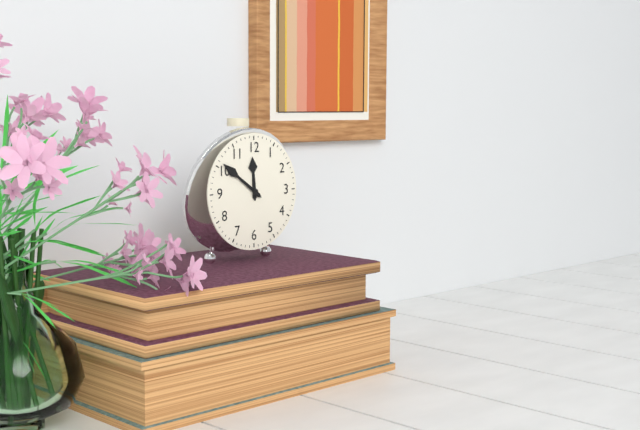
11.51
